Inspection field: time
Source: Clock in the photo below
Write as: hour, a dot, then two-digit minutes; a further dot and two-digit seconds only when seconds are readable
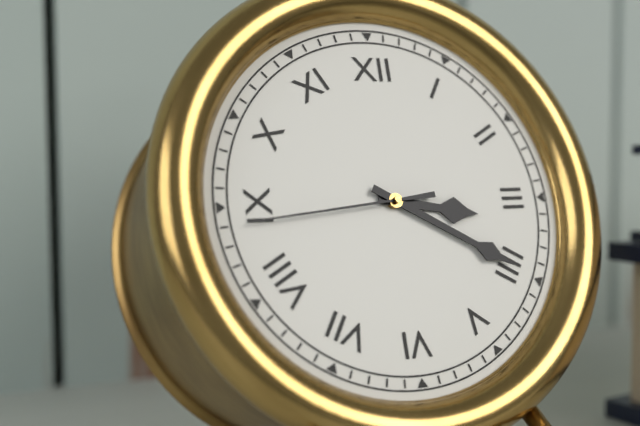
3.20.44
